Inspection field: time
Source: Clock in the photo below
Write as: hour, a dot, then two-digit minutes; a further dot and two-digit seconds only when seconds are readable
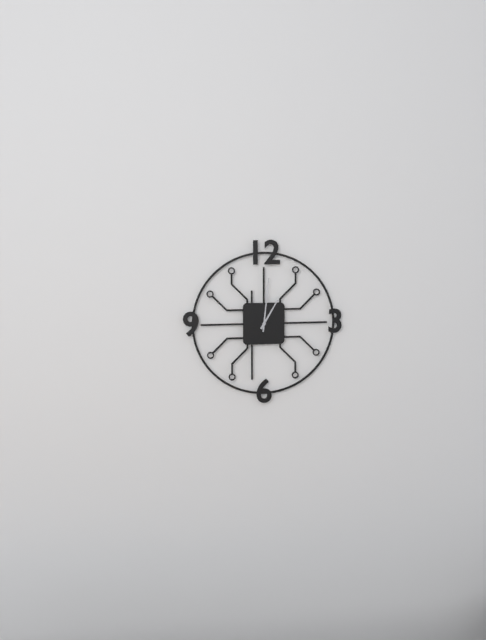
1.01
